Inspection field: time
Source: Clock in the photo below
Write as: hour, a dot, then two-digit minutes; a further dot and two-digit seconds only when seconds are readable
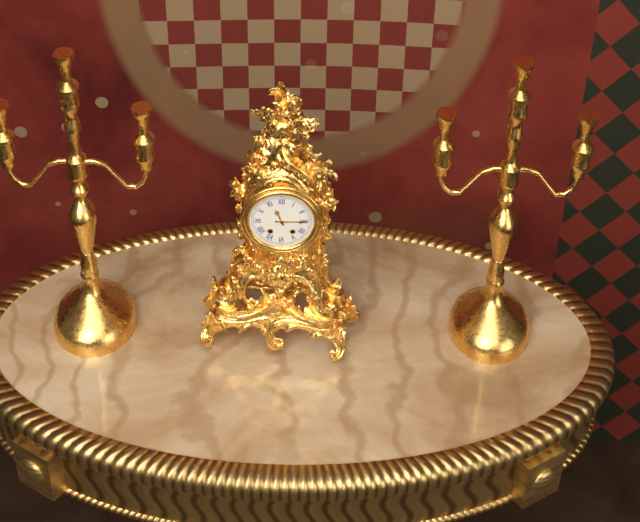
11.15
